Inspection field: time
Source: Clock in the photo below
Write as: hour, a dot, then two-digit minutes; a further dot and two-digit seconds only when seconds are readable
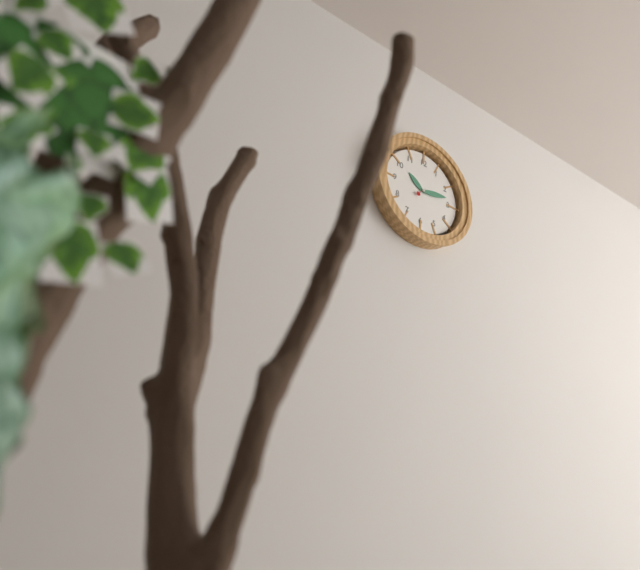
10.13
